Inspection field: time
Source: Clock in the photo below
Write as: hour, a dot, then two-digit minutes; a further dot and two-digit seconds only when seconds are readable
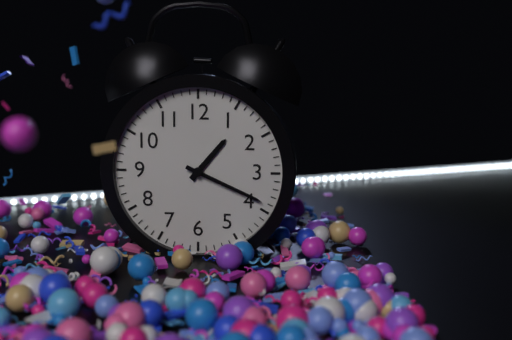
1.19
